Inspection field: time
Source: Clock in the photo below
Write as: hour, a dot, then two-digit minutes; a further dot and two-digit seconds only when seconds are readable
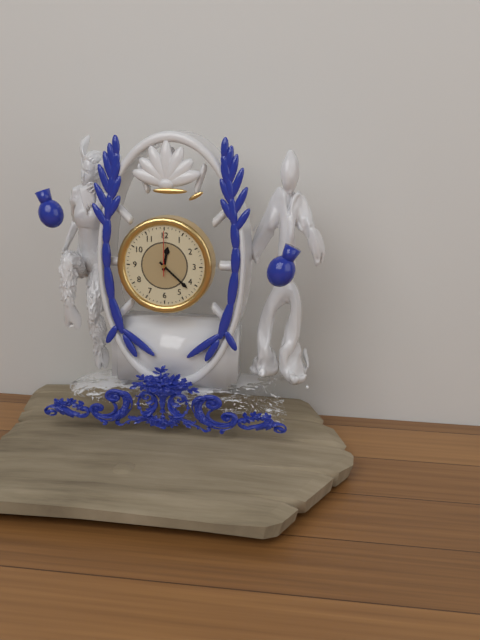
12.22
